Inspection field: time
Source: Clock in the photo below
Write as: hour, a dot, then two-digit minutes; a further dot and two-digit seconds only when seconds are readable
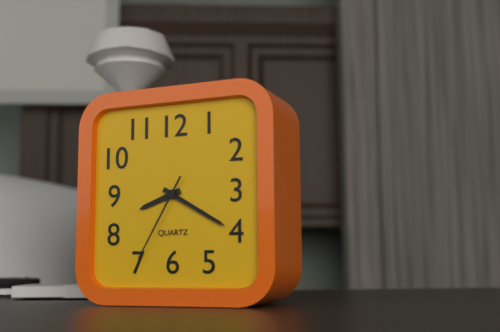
8.20.35
